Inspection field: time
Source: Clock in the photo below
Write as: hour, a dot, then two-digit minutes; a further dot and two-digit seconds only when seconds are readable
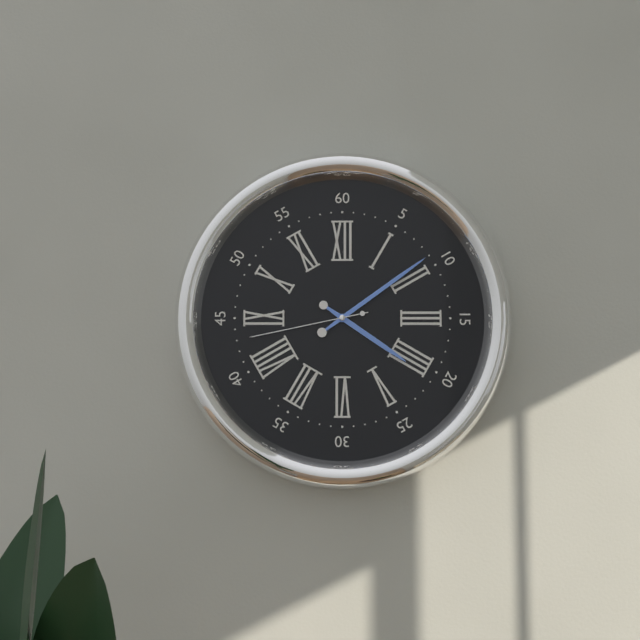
4.09.43
